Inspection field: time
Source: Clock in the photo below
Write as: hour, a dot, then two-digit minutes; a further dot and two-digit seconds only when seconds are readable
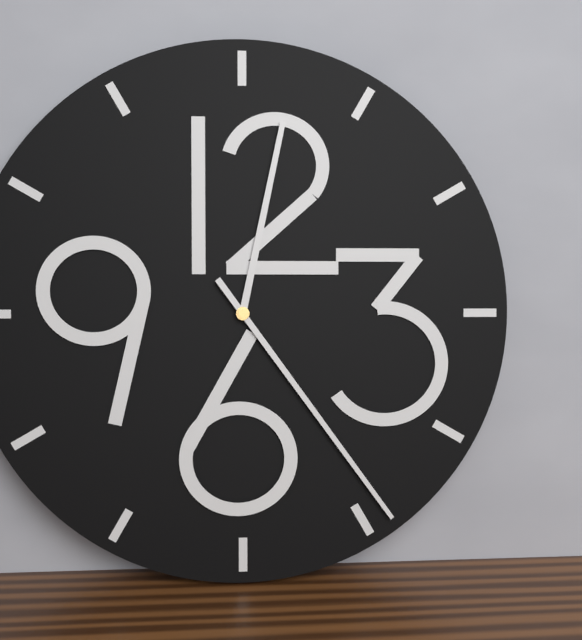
12.24
